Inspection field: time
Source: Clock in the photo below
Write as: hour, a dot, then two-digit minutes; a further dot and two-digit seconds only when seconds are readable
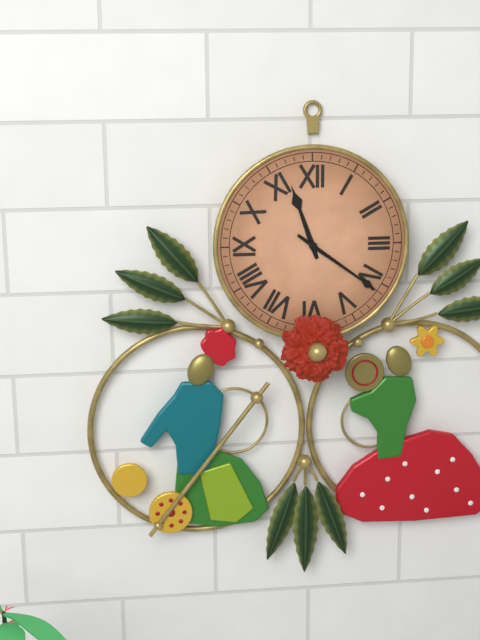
11.21
